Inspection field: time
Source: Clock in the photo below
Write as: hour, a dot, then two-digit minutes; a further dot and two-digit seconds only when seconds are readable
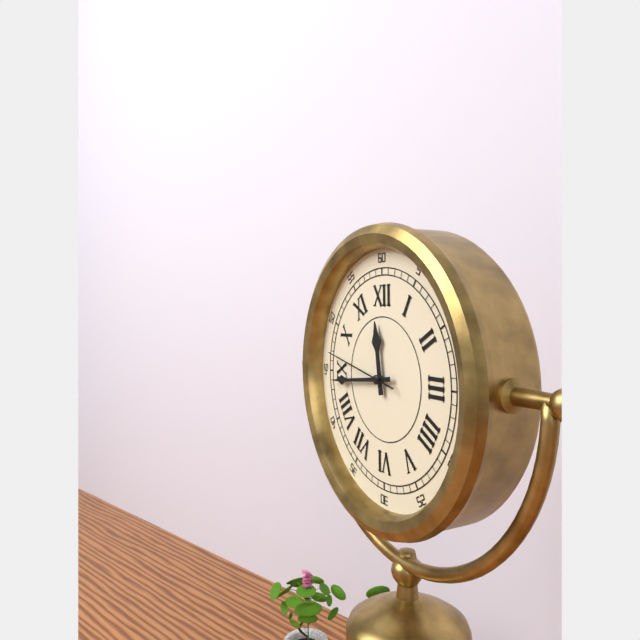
11.44.47
